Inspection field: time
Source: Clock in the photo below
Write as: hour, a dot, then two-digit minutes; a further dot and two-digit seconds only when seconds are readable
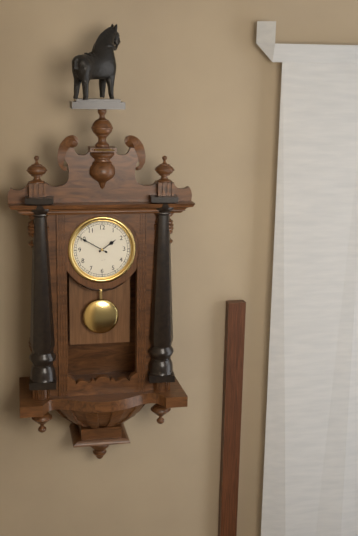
1.50
